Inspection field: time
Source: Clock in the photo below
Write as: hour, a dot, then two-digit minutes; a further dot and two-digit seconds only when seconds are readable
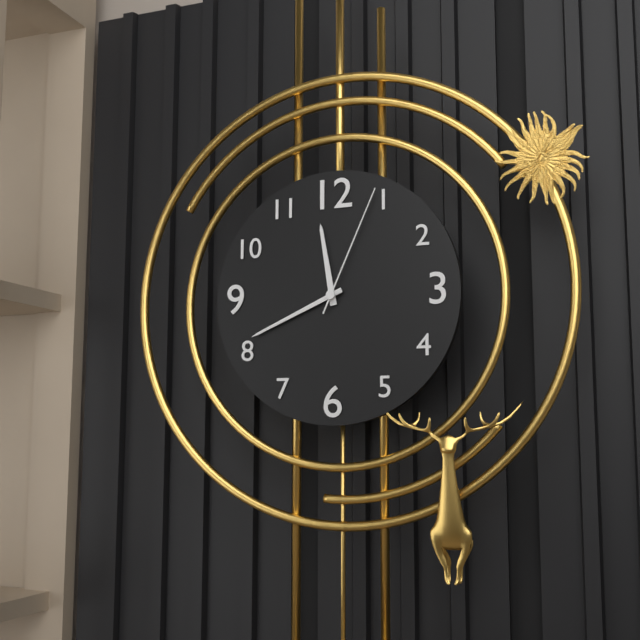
11.41.04
